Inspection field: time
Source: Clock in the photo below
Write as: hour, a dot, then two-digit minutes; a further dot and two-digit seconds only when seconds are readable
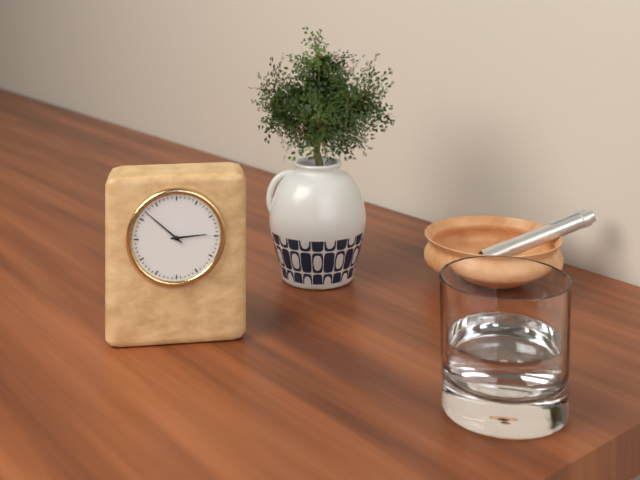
2.52
